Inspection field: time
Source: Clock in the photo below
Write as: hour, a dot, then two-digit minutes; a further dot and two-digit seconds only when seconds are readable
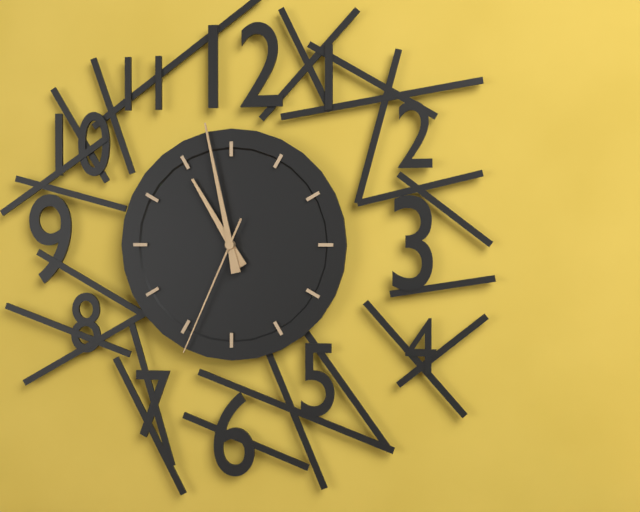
10.58.34
